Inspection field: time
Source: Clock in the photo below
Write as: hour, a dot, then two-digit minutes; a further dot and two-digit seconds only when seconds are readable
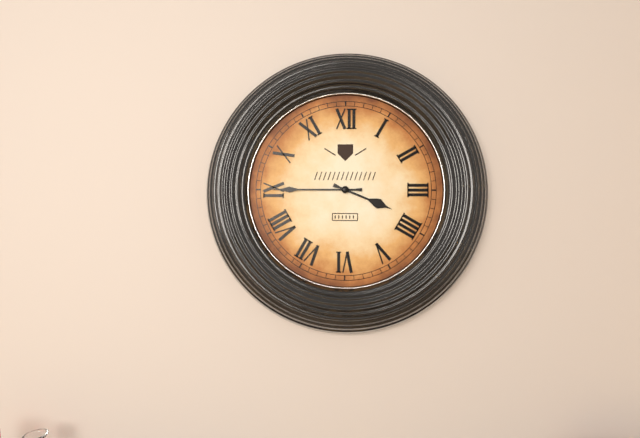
3.45
